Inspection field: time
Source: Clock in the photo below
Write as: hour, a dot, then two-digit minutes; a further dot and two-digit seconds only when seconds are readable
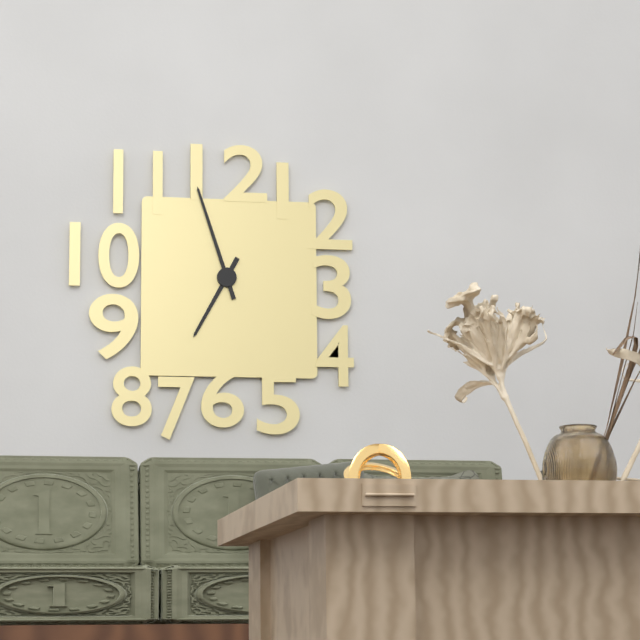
6.57
